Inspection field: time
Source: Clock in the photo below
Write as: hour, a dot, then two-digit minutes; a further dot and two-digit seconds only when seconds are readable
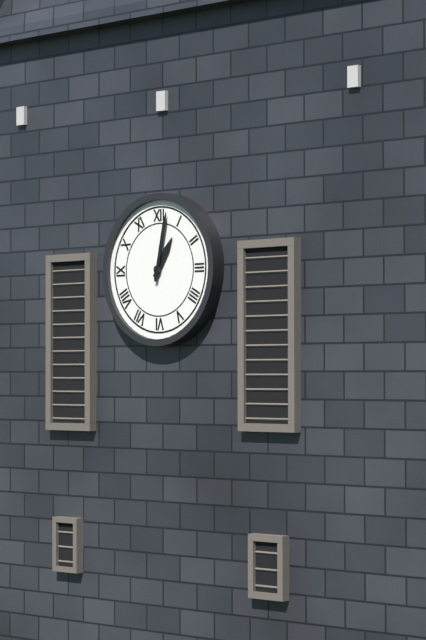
1.02
